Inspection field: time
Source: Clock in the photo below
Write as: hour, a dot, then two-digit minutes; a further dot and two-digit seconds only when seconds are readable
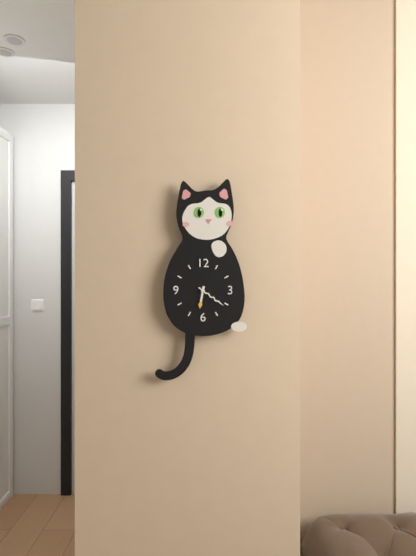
6.21
